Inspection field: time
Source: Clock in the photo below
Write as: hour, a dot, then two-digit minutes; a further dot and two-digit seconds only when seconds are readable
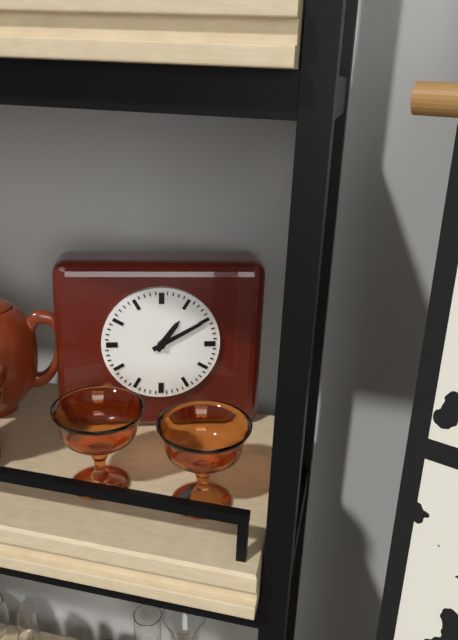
1.10
